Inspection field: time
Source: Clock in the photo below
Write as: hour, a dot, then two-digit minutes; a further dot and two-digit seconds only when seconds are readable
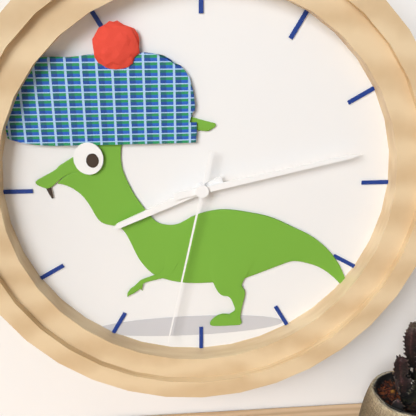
8.13.32
